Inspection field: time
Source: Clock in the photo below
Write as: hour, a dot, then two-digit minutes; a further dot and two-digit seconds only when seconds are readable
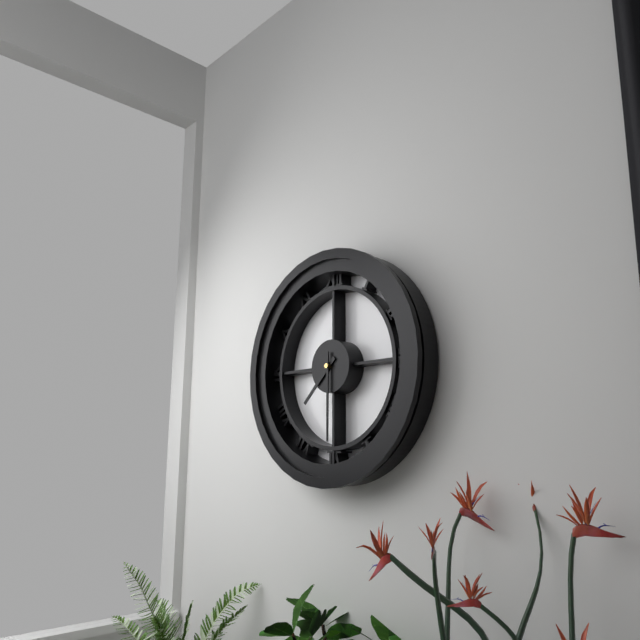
7.30
